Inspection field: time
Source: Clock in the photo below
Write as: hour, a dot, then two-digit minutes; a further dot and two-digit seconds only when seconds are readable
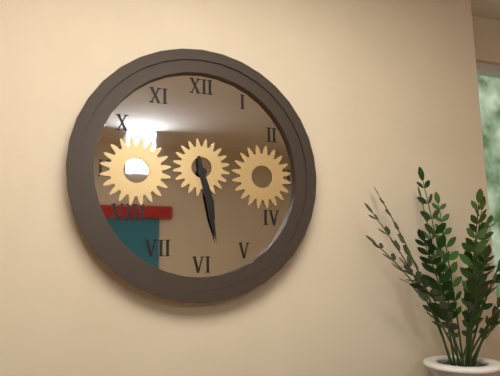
5.28
